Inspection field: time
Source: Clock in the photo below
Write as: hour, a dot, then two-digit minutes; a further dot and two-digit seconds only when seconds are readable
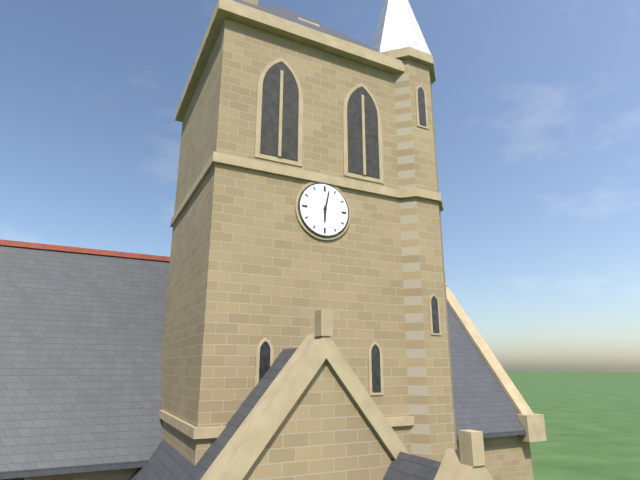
6.02
